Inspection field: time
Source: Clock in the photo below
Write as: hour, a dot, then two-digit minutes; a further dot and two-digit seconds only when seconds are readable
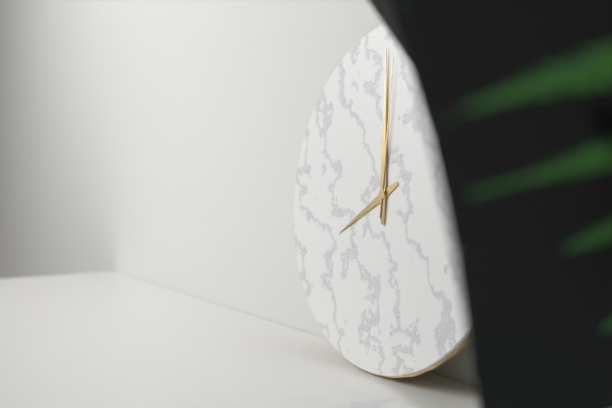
7.59.00
